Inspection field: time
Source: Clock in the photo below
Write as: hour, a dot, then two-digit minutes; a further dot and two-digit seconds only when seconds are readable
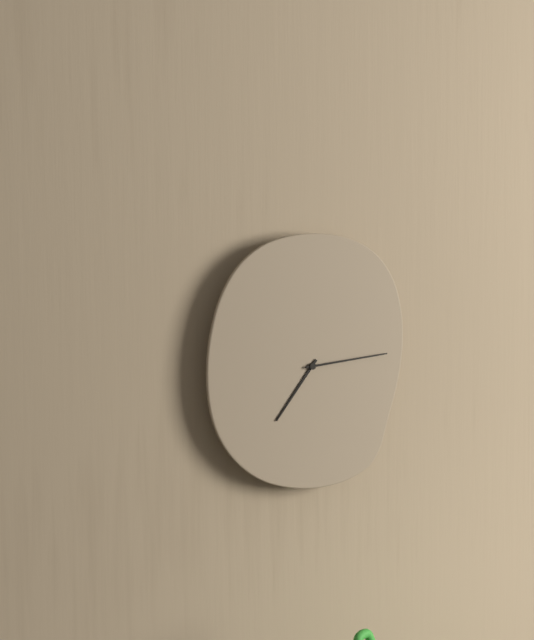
7.14
